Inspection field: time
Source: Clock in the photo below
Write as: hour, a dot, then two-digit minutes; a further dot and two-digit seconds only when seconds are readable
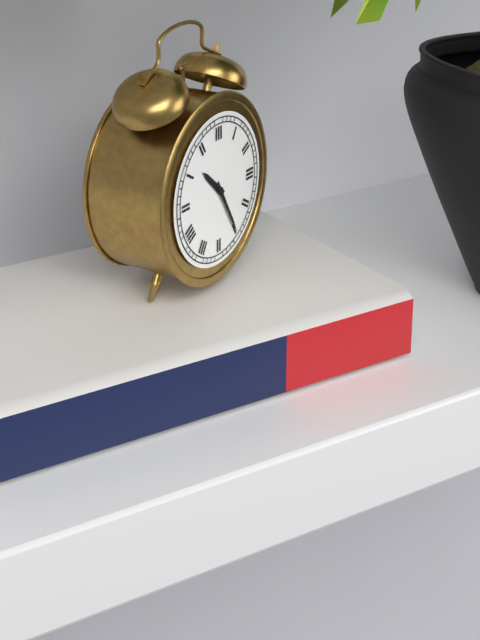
10.25
